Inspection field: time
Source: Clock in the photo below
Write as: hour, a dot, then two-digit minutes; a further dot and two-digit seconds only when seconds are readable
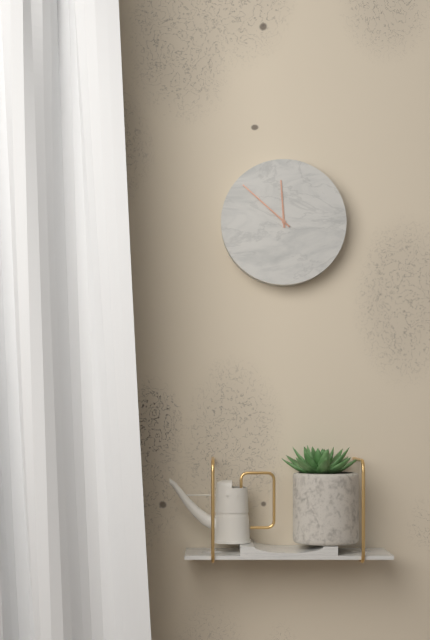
11.52
